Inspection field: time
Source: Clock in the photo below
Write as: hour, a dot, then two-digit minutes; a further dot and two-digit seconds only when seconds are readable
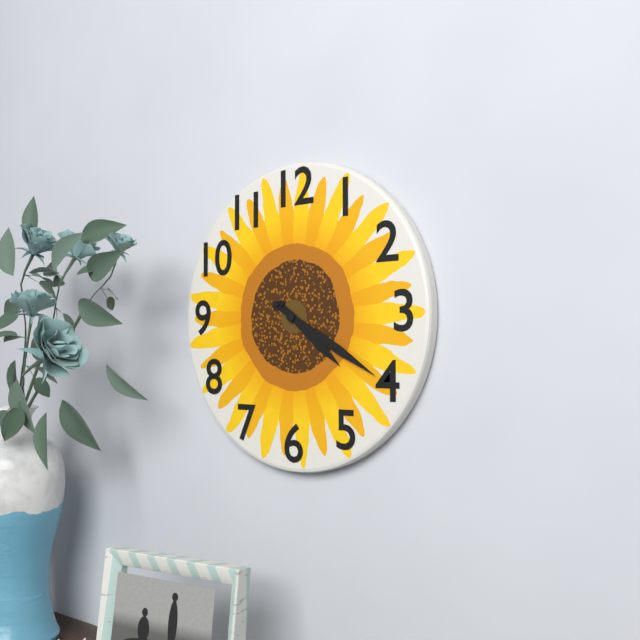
4.20
